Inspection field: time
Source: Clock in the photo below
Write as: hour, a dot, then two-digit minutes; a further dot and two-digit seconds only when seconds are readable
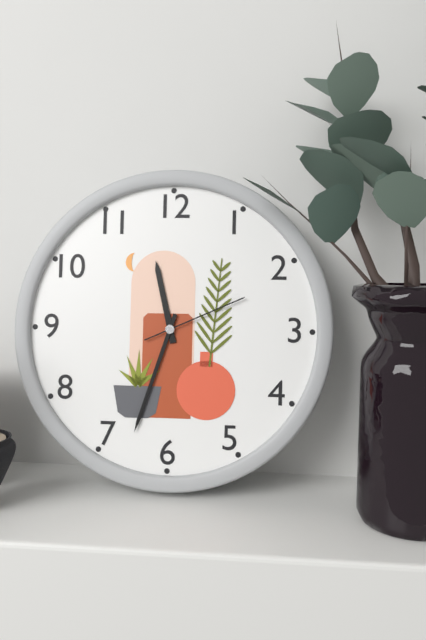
11.33.11
